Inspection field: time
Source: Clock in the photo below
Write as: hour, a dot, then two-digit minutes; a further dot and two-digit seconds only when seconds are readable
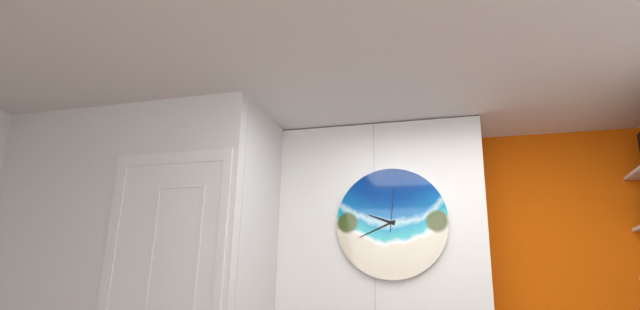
9.41
